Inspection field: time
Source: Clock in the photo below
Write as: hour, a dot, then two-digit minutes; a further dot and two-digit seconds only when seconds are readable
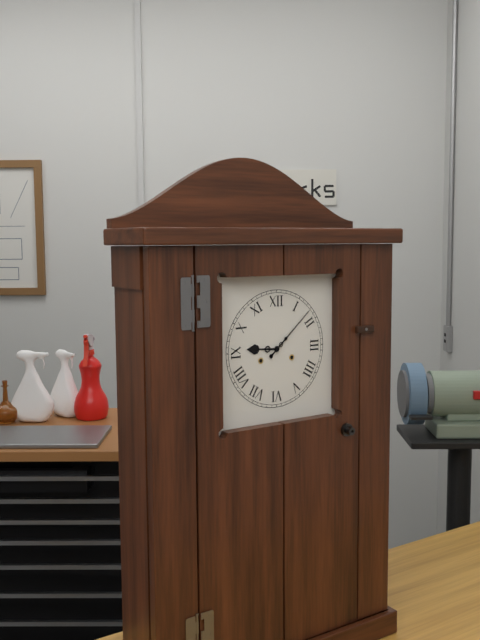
9.08
